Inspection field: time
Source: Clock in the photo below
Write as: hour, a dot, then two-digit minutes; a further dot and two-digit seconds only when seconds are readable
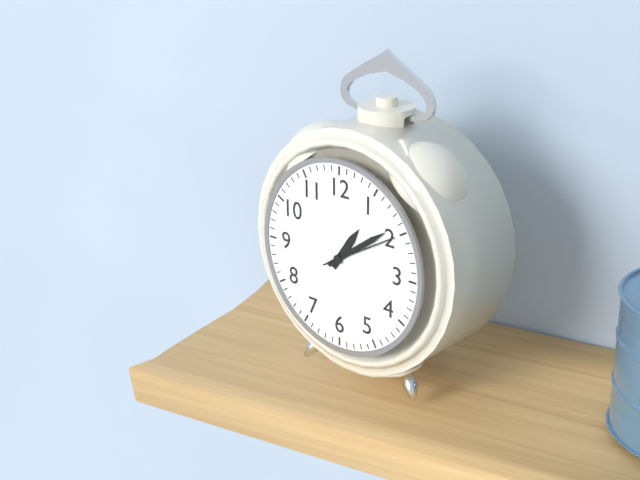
1.09.10
